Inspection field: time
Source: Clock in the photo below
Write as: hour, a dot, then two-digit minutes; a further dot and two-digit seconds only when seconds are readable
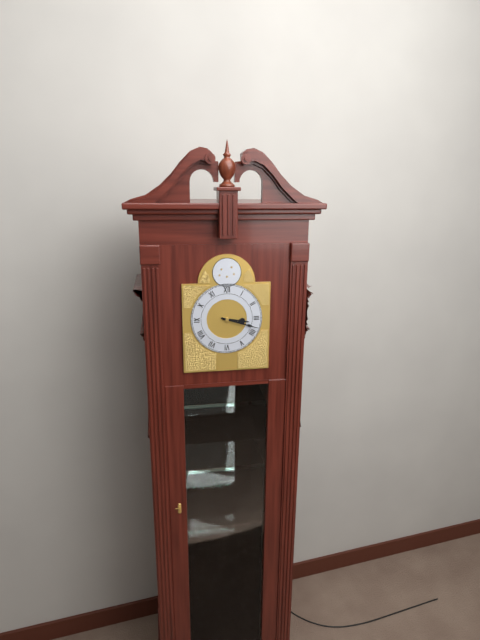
3.18
